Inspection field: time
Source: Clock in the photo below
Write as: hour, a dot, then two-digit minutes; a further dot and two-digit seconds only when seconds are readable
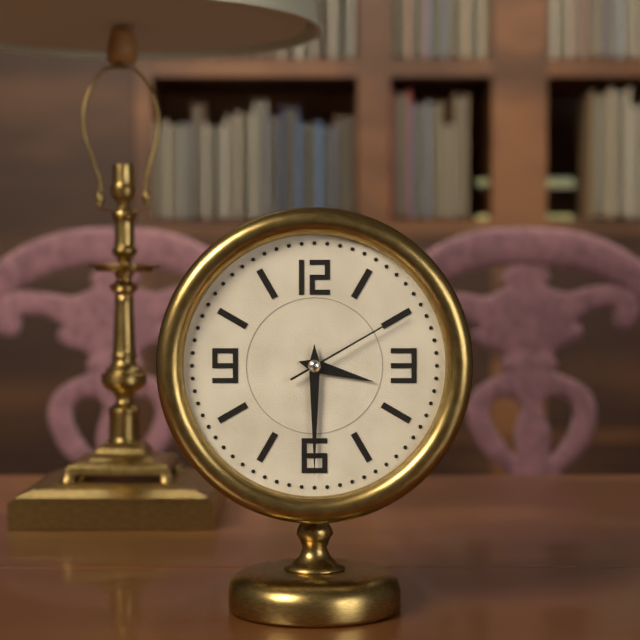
3.30.10
